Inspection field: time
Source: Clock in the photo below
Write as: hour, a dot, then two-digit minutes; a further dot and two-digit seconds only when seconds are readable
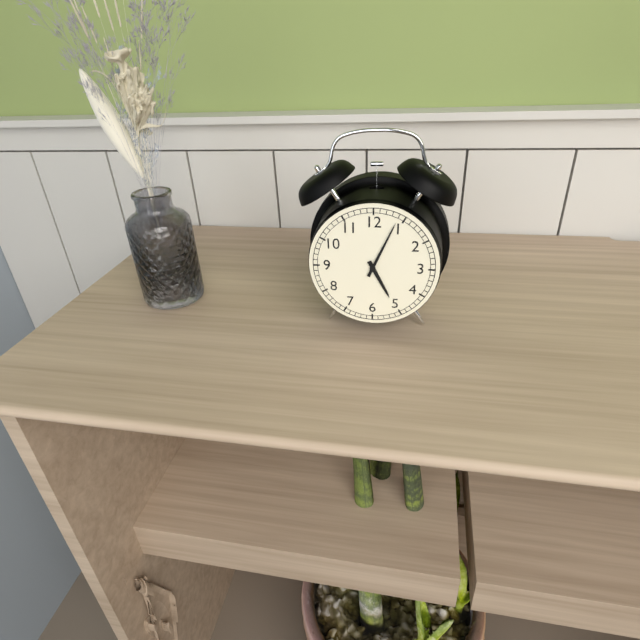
5.04
